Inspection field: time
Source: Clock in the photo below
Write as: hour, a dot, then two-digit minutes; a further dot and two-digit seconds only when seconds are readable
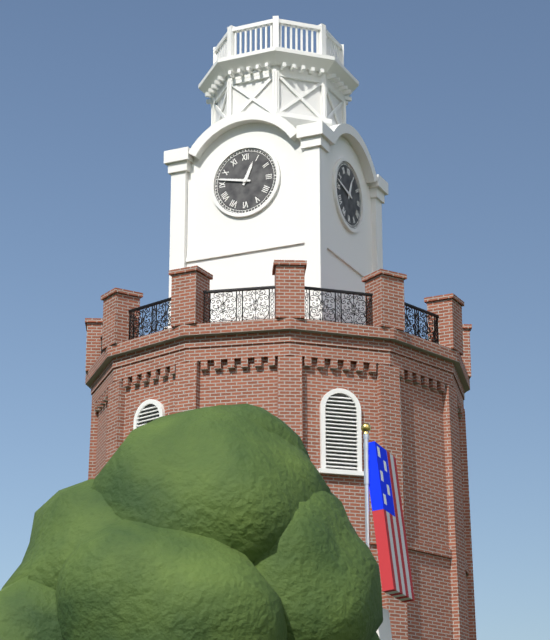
12.47
